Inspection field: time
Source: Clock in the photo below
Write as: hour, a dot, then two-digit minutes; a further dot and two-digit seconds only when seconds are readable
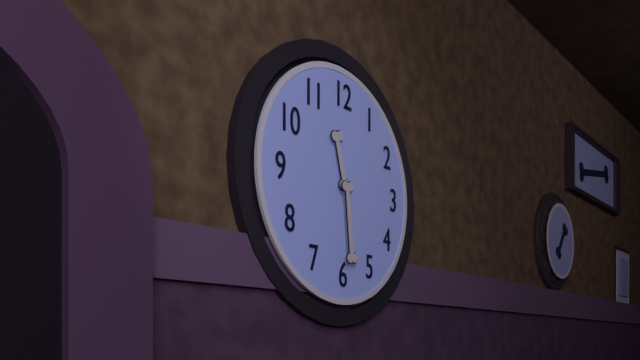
11.29
